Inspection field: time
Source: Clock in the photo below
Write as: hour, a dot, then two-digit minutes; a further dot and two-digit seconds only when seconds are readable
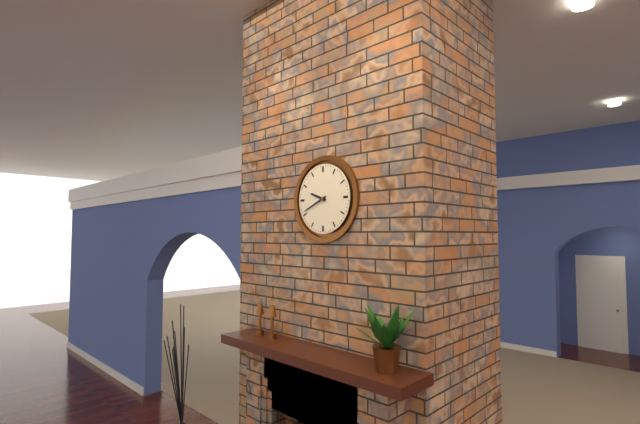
9.41
